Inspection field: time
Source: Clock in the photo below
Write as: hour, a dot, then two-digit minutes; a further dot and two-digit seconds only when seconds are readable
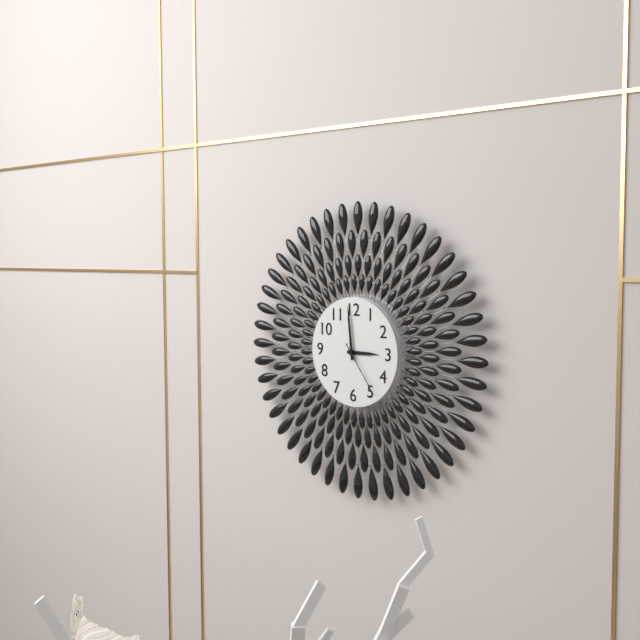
2.59.24
